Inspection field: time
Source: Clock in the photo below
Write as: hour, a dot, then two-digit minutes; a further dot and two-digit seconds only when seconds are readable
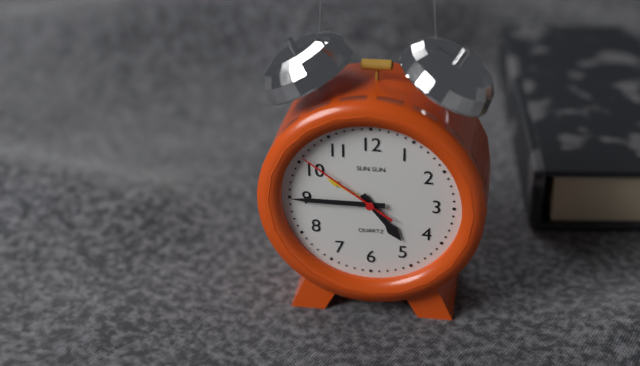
4.45.51
